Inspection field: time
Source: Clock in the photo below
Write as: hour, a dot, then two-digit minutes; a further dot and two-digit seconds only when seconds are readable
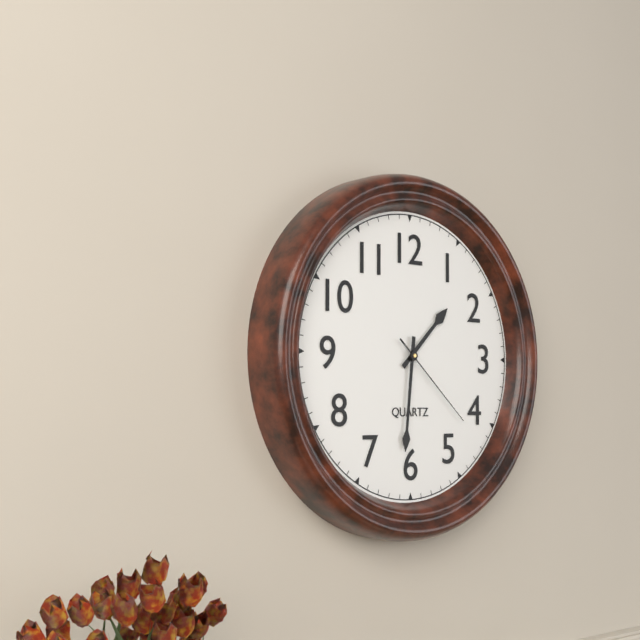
1.31.22
